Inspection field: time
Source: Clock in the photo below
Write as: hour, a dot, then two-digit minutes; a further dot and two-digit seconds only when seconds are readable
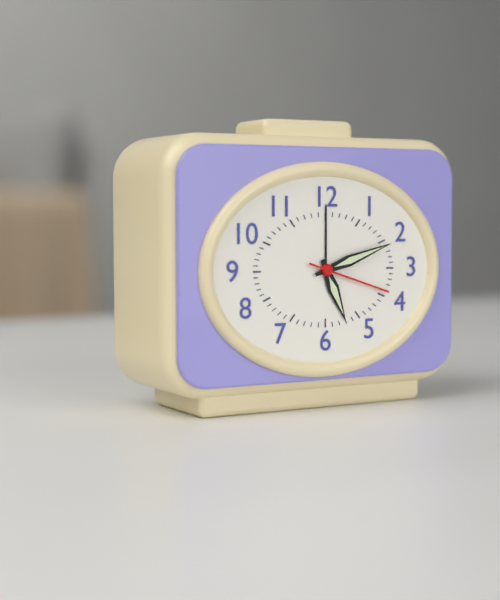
5.12.18
